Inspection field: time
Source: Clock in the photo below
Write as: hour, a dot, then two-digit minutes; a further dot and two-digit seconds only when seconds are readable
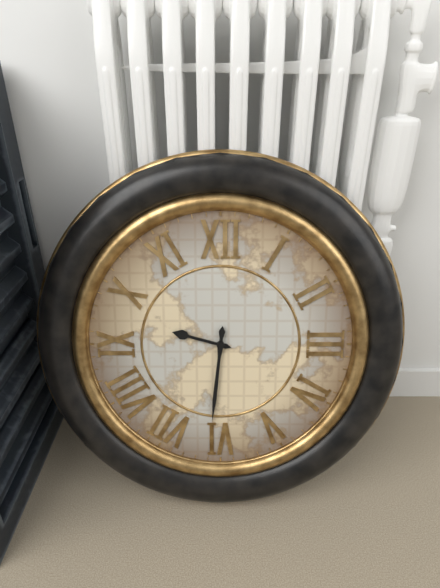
9.31
